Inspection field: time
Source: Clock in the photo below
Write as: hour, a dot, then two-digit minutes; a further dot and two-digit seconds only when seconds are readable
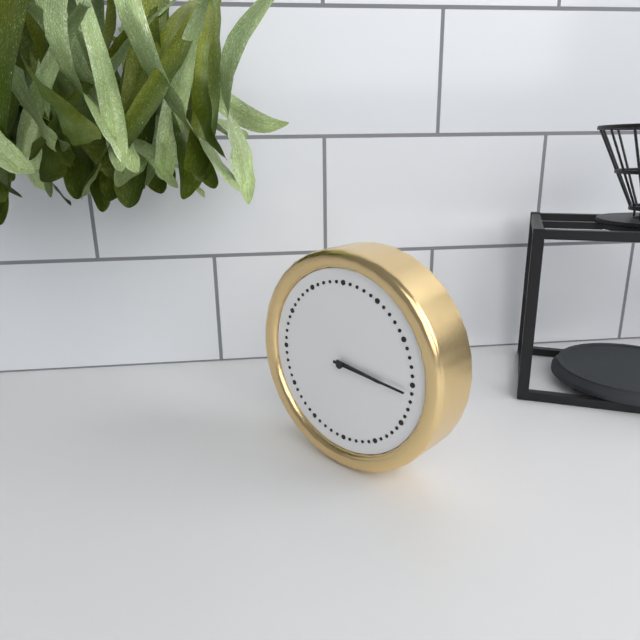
3.16
